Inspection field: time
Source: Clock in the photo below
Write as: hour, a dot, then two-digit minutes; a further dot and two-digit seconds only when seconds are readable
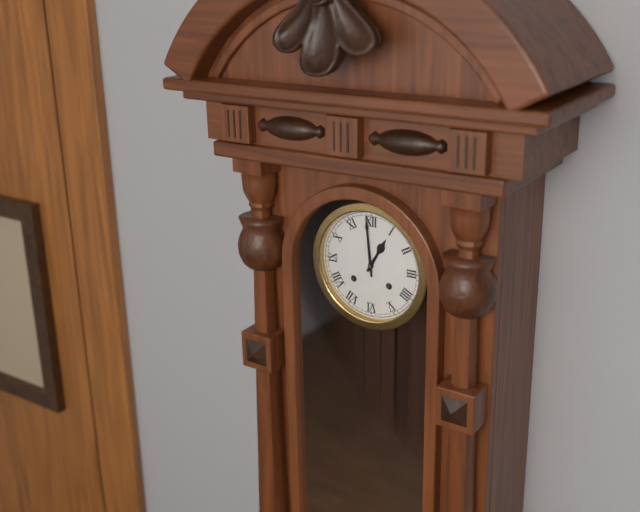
12.59
